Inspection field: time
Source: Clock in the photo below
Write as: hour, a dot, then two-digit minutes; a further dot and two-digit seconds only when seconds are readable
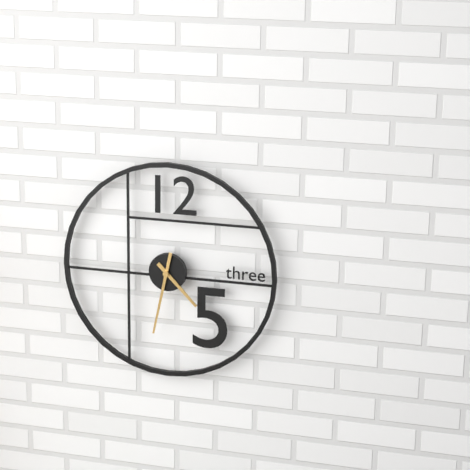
4.32
